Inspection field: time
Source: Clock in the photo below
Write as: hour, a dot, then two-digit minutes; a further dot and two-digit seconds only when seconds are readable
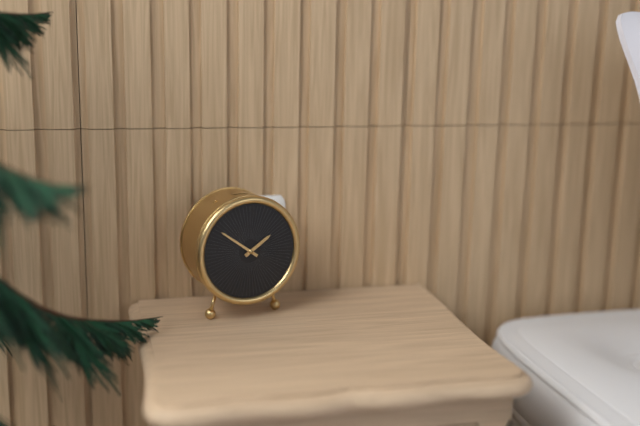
1.51
